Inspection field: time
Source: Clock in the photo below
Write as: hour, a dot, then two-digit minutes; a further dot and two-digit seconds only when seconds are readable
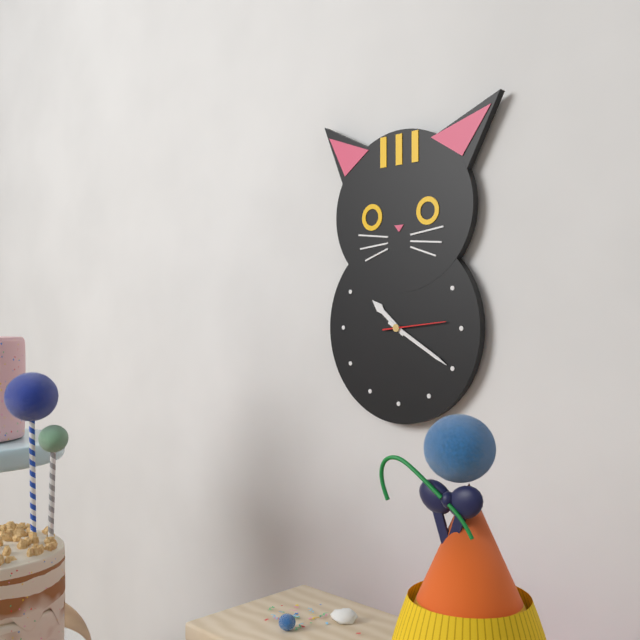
10.20.14
